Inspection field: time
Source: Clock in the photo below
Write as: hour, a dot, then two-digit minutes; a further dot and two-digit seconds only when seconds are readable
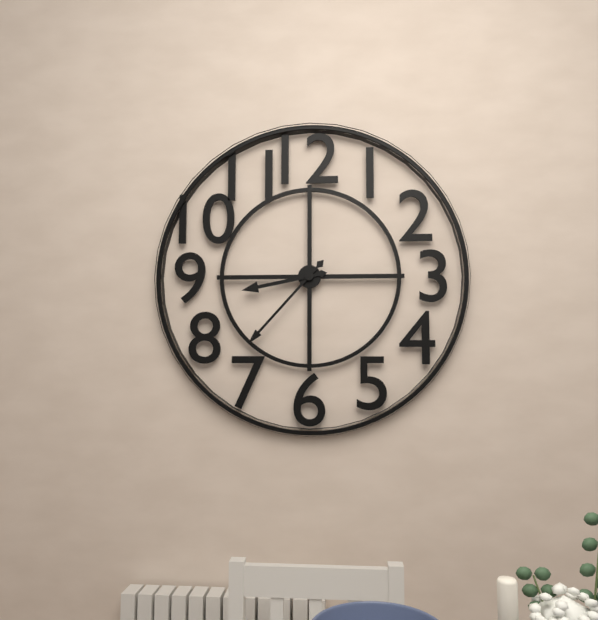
8.37
